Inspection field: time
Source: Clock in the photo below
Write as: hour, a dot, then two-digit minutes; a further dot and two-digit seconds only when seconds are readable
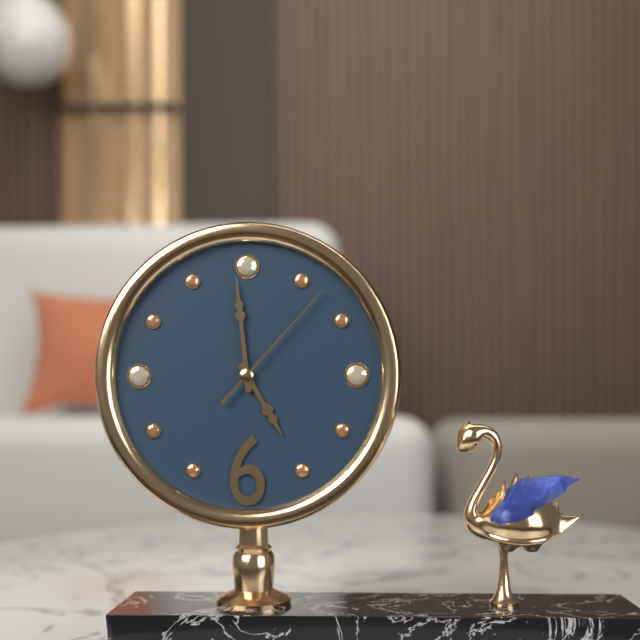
4.59.07
